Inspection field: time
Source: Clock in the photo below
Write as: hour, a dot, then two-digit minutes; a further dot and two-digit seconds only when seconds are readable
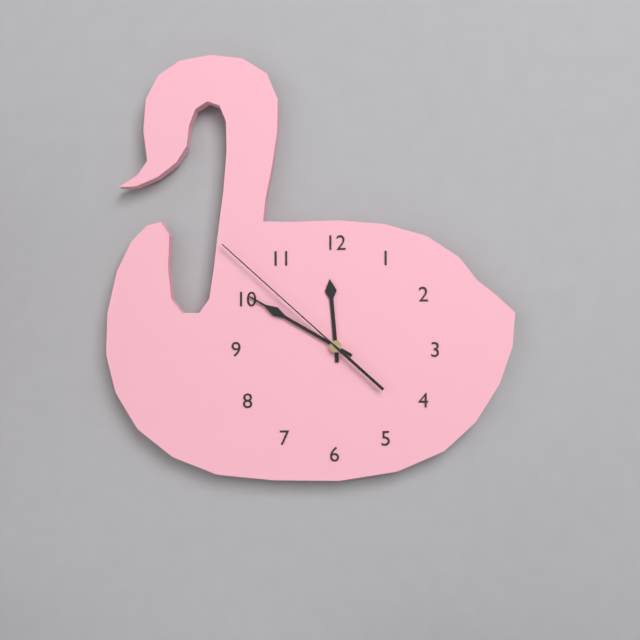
11.50.52
